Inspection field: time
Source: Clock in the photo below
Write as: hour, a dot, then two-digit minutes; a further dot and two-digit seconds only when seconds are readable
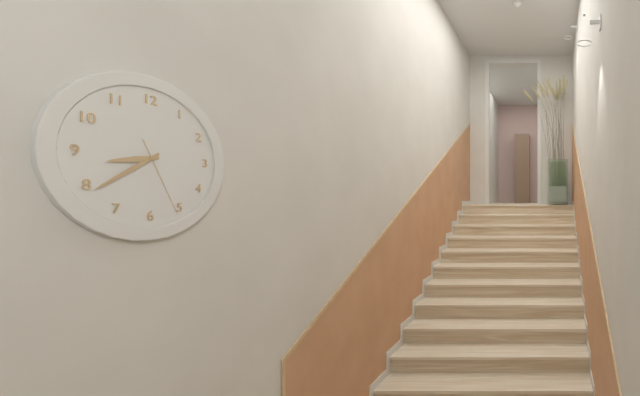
8.39.26
